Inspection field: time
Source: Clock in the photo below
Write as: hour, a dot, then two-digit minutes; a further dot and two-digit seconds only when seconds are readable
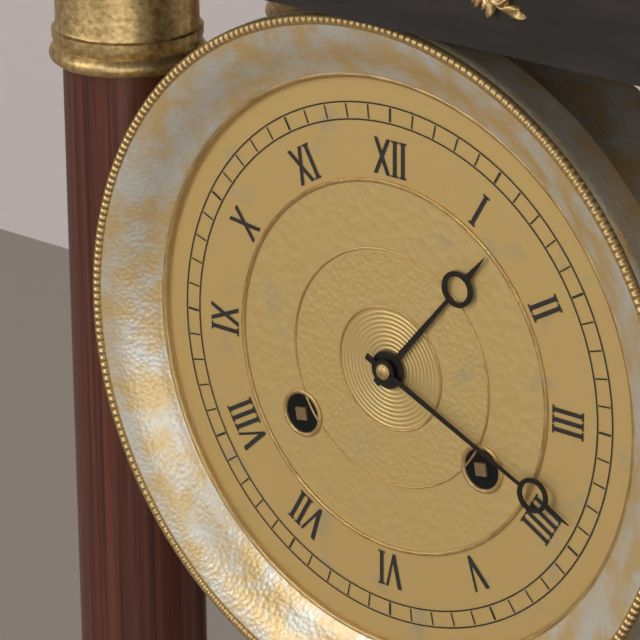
1.19
